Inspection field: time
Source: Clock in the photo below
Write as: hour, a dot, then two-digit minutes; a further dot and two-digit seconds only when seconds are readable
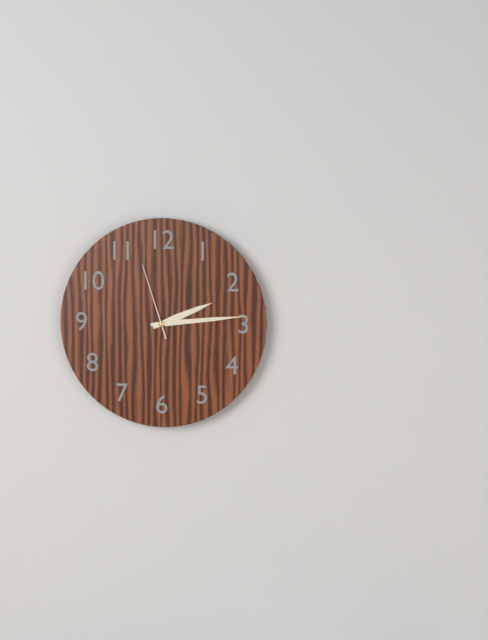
2.14.57
